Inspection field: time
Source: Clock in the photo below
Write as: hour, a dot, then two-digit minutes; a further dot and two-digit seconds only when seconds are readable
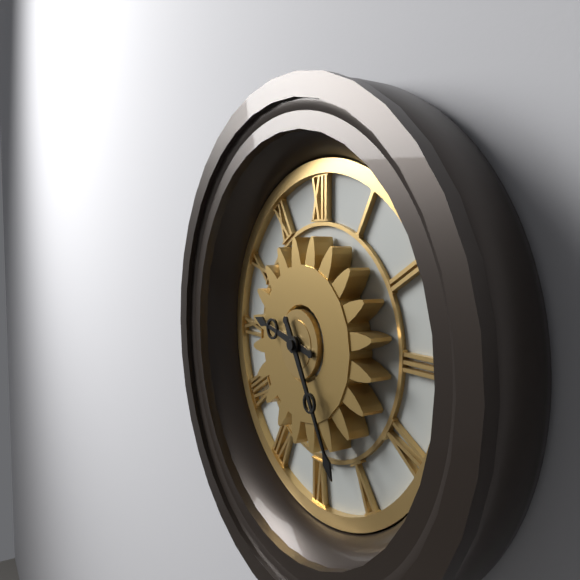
9.25
